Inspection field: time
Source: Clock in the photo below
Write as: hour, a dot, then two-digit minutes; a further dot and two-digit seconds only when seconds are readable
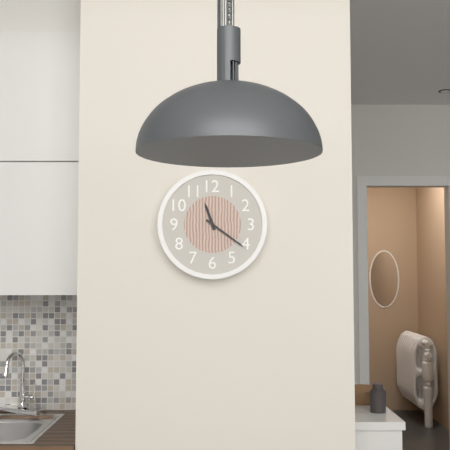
11.21
